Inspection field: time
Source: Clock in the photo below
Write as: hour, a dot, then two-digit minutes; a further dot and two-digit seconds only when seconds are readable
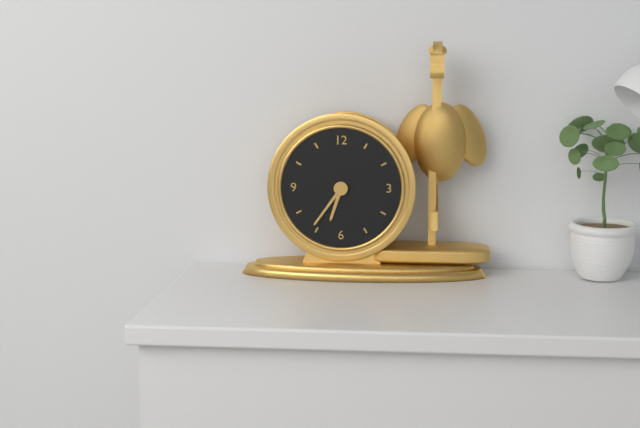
6.36
